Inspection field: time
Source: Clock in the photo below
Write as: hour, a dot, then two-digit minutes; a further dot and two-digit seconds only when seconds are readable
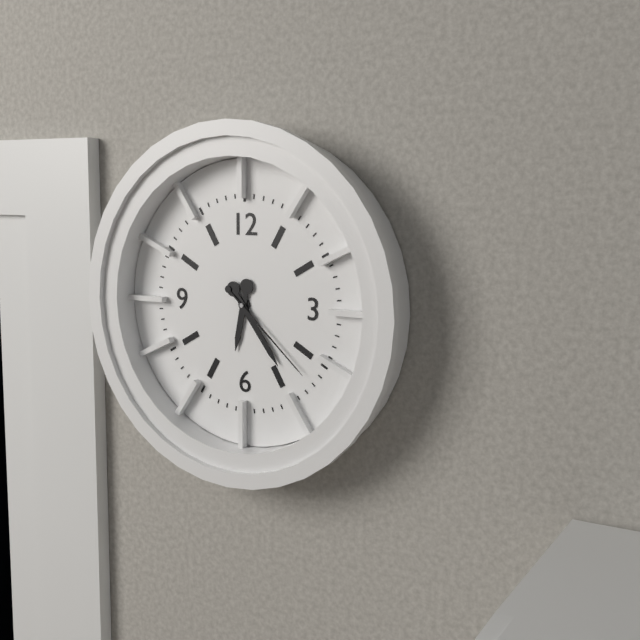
6.24.22
